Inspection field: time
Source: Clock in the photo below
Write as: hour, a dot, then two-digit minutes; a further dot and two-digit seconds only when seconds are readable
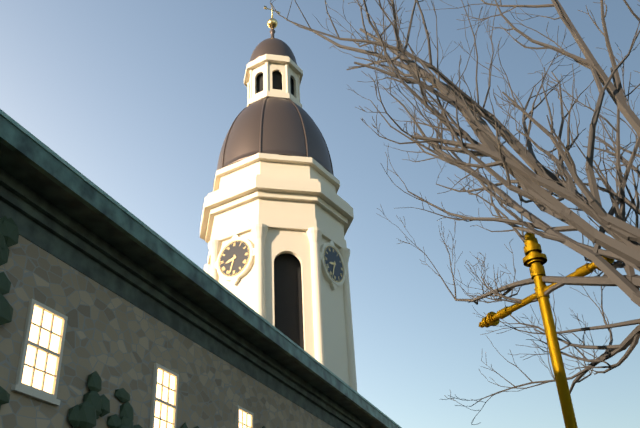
8.33
